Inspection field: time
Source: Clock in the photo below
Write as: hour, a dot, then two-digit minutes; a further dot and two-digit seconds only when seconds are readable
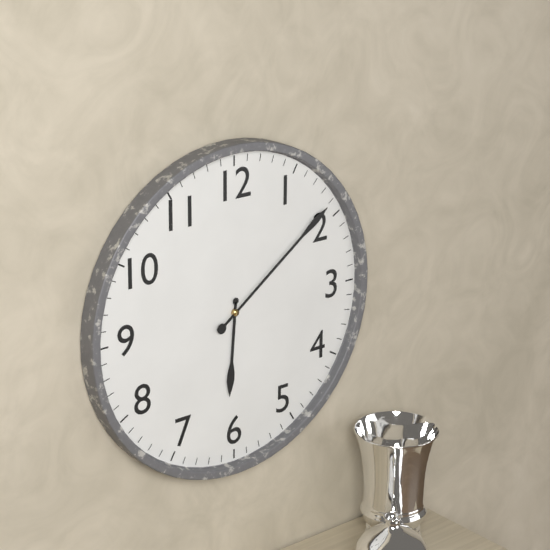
6.09
